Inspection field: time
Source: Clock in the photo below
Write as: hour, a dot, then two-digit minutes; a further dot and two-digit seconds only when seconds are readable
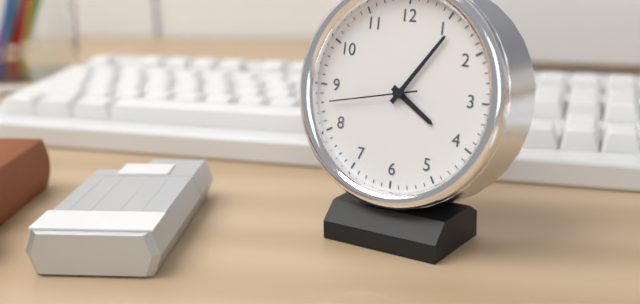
4.06.43
